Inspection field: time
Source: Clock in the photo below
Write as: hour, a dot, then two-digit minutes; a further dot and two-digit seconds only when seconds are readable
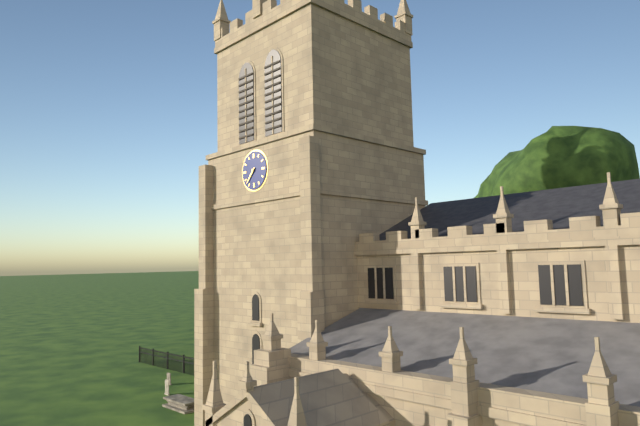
7.37
